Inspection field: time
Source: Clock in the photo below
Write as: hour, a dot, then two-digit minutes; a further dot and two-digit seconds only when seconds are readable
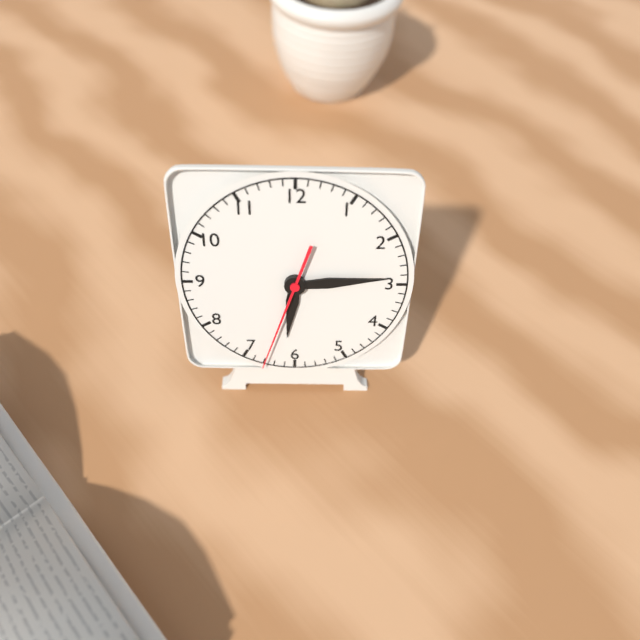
6.14.33
